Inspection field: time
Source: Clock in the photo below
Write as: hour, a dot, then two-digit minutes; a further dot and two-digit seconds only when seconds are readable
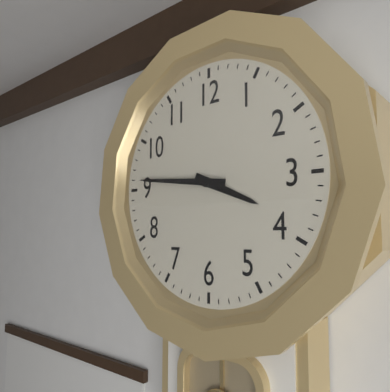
3.46
